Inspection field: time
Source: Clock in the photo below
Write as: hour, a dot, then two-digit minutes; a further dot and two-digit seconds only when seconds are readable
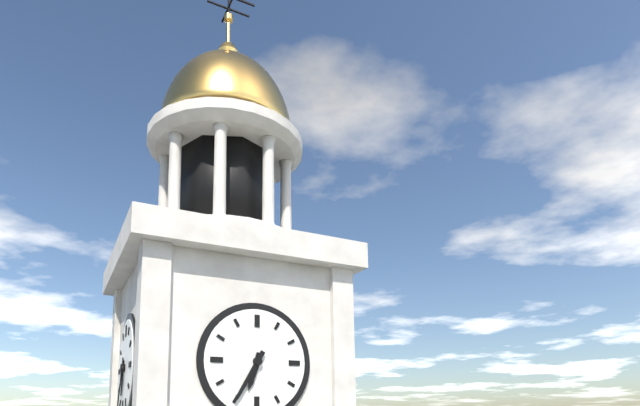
6.35
